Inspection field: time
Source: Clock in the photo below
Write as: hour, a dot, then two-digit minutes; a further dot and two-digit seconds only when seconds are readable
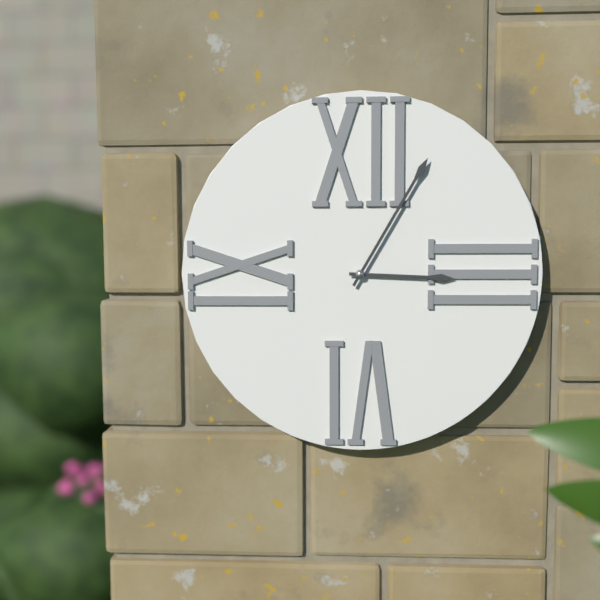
3.05
